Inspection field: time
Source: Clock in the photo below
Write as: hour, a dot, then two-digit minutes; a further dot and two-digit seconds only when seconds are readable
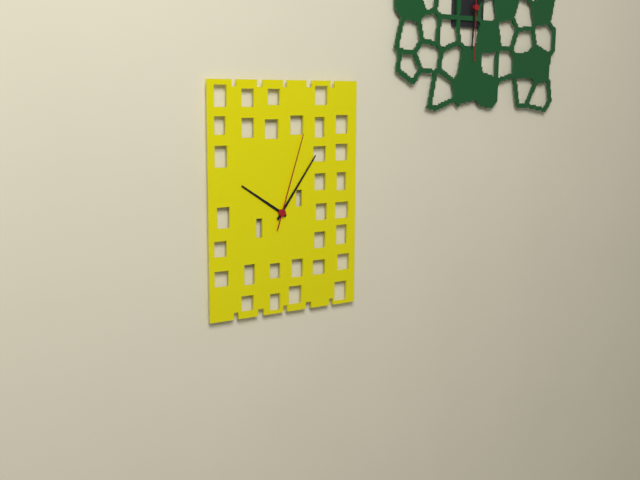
10.06.03
